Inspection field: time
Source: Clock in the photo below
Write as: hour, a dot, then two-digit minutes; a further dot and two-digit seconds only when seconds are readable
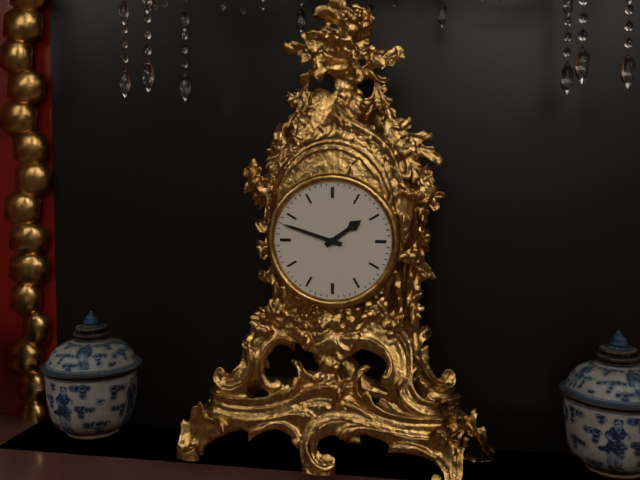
1.48
